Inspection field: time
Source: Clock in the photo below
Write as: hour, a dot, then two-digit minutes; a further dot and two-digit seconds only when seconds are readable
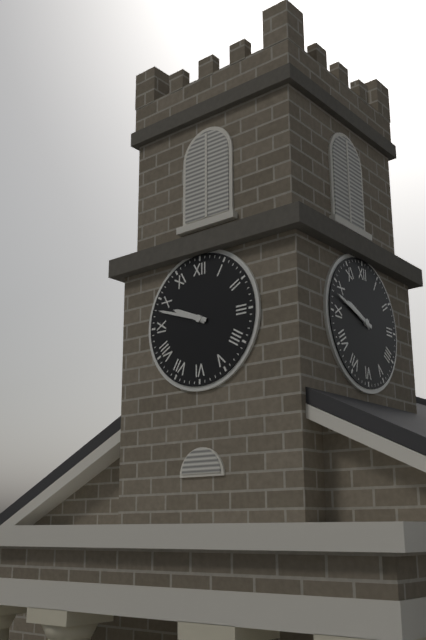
9.48
